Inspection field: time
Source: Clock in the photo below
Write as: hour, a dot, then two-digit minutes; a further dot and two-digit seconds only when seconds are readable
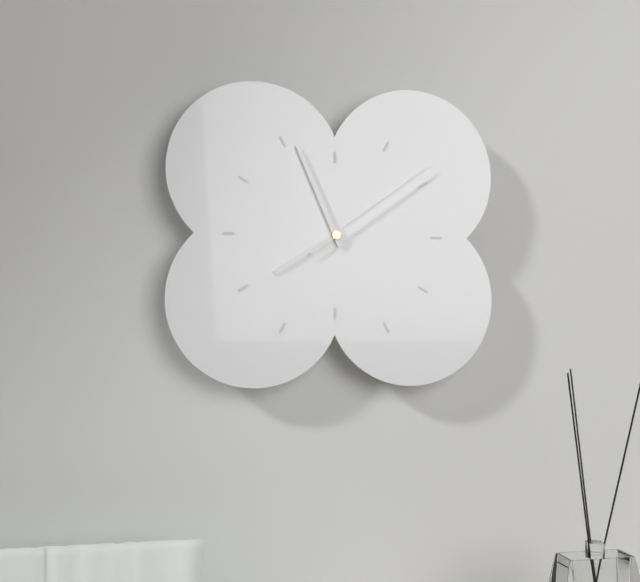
7.56.09
